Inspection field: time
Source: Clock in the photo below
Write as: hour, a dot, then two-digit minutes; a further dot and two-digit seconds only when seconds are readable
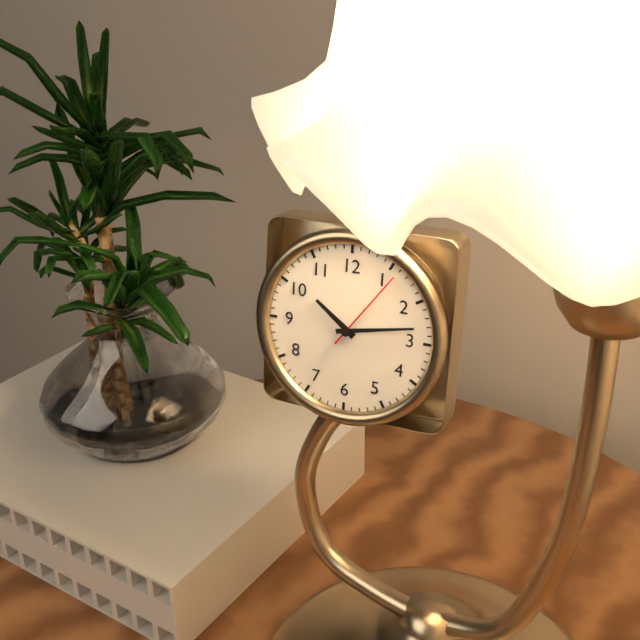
10.13.06
